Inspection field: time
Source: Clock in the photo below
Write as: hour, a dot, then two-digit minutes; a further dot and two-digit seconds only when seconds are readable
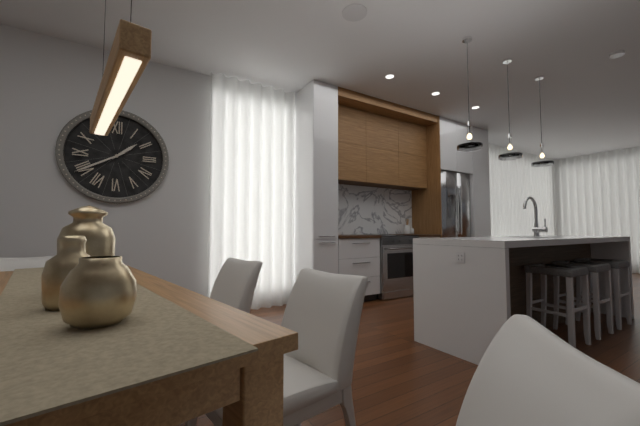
1.40
